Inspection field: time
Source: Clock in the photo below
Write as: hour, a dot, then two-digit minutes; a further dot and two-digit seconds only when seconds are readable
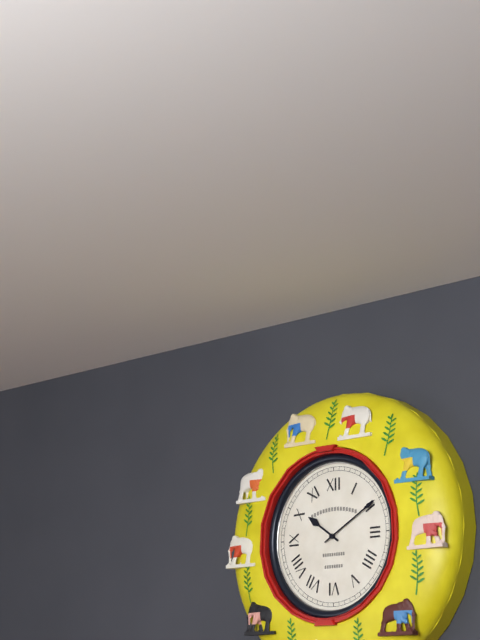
10.10
